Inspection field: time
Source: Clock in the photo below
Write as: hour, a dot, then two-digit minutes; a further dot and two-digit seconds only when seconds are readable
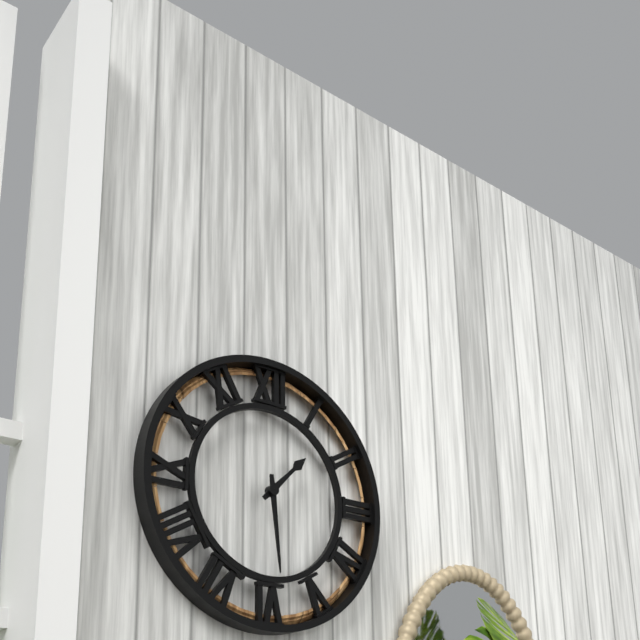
1.29
